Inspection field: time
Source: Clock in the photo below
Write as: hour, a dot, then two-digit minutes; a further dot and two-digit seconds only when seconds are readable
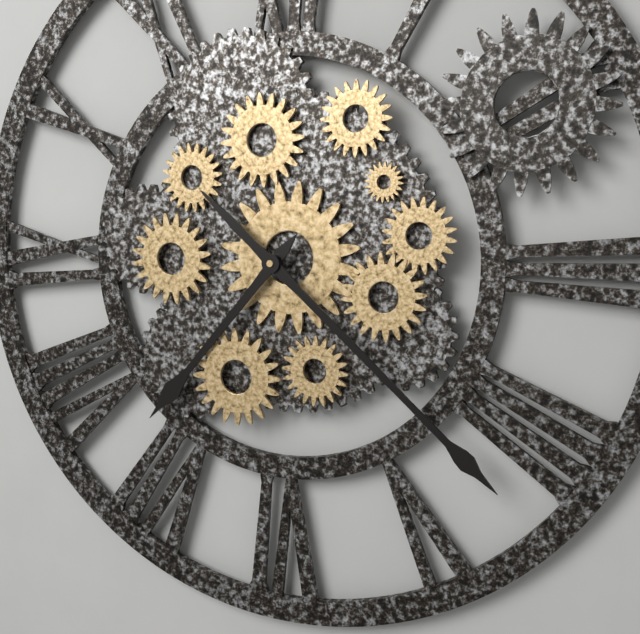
7.22
